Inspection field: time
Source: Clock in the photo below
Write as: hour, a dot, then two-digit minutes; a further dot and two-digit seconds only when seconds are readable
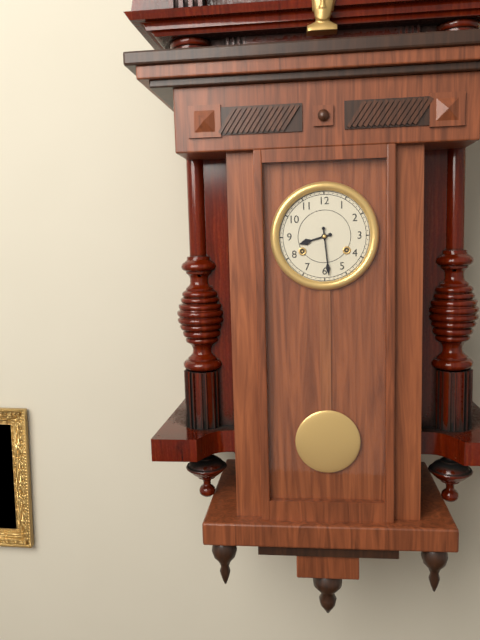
8.29
